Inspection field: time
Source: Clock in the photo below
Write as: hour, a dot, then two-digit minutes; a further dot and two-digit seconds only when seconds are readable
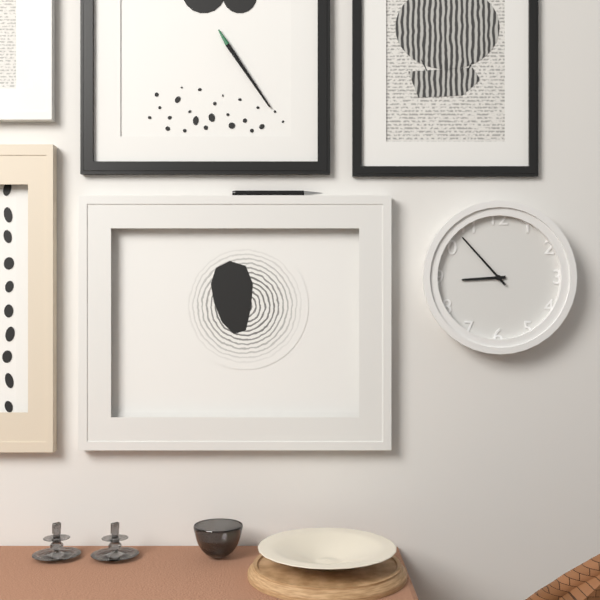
8.53
